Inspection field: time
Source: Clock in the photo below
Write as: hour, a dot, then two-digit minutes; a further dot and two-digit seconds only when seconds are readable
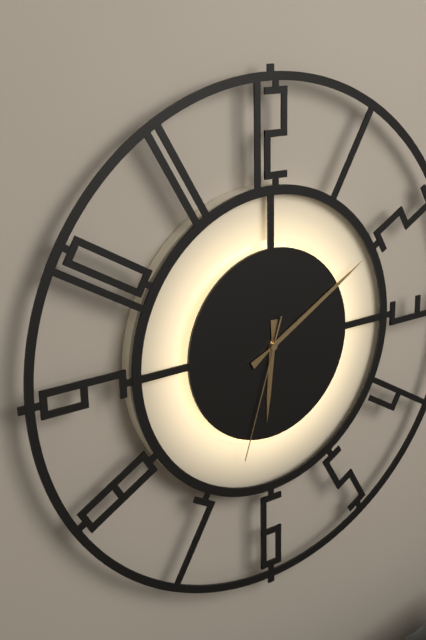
6.10.33
